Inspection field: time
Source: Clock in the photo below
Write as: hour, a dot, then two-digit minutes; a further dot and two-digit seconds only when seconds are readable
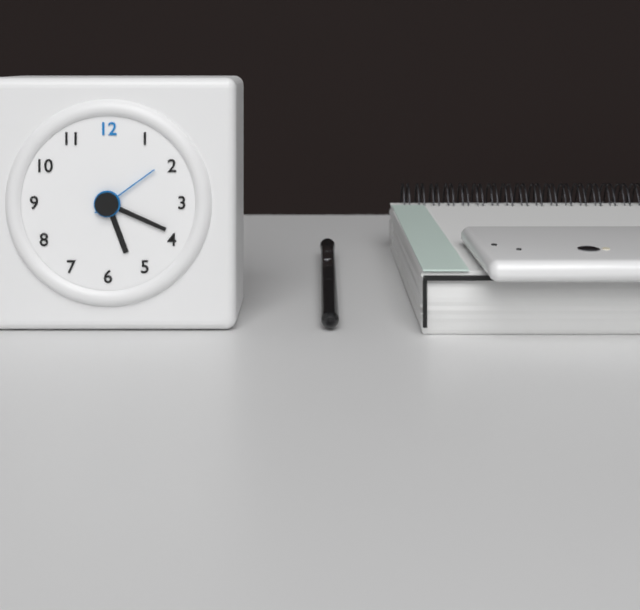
5.19.09
